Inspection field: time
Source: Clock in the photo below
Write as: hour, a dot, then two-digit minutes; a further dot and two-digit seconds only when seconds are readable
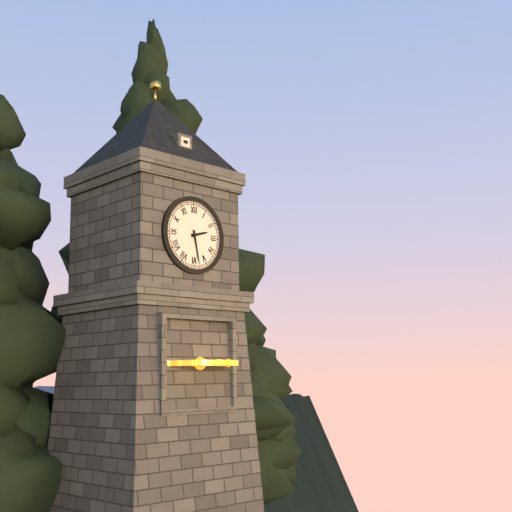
2.28
